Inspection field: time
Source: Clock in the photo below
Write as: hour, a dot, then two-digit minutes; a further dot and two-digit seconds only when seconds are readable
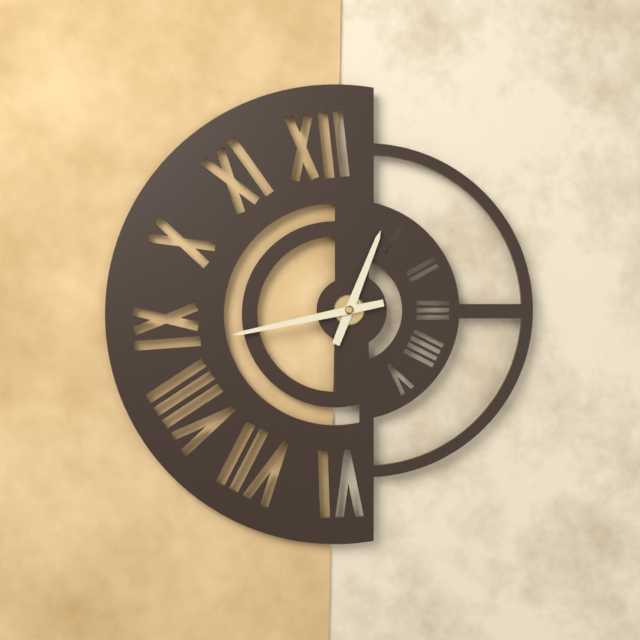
12.43
